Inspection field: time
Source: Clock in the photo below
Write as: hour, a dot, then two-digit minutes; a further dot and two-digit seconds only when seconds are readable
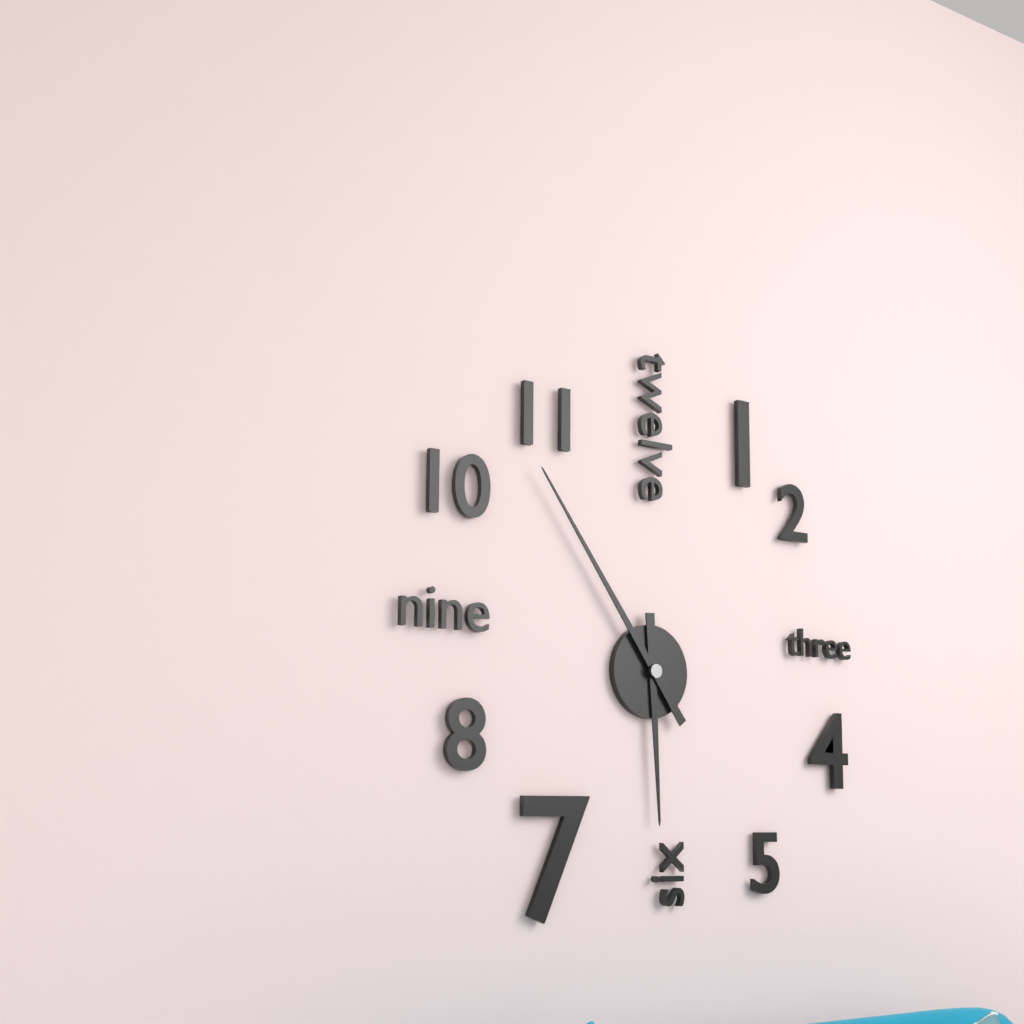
5.54
